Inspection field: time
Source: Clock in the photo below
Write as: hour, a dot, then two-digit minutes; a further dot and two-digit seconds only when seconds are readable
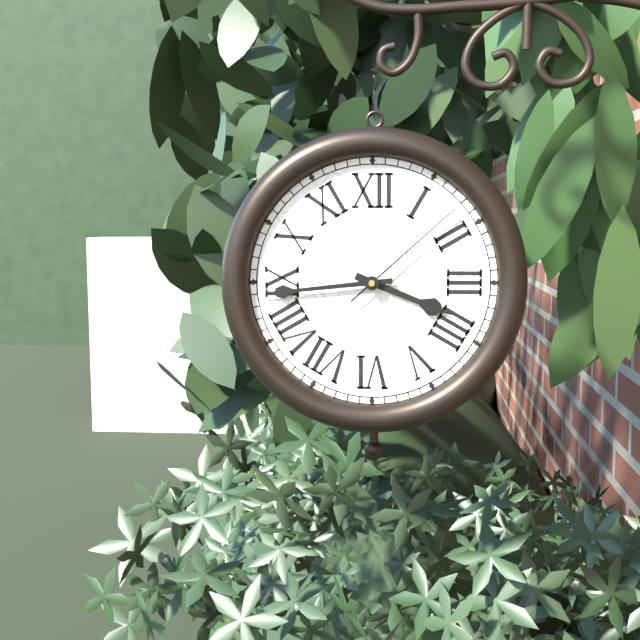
3.44.08
